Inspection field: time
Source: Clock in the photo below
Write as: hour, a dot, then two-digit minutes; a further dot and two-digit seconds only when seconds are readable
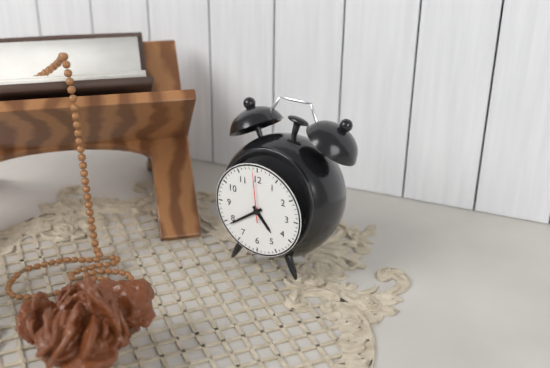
4.39.59
